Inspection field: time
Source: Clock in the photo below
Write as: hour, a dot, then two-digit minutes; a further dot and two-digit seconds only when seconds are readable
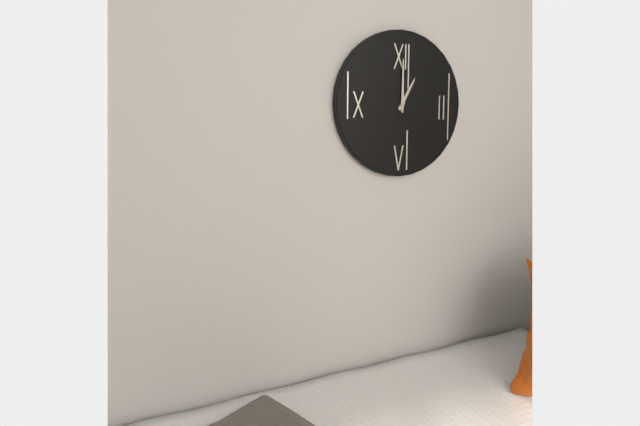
1.00
